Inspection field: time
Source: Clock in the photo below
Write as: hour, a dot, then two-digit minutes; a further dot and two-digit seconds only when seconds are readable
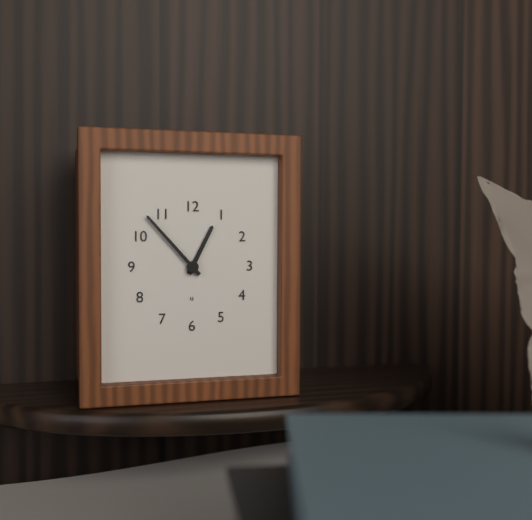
12.53
